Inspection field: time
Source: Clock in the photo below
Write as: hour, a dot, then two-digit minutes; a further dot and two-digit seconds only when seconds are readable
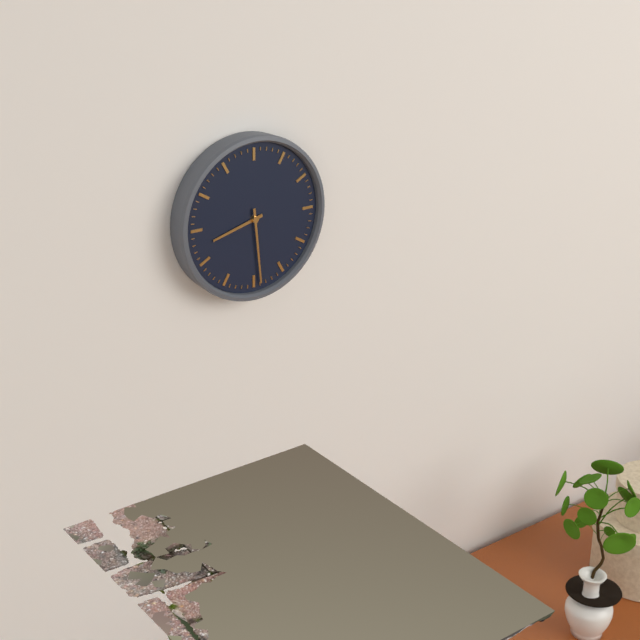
8.29
